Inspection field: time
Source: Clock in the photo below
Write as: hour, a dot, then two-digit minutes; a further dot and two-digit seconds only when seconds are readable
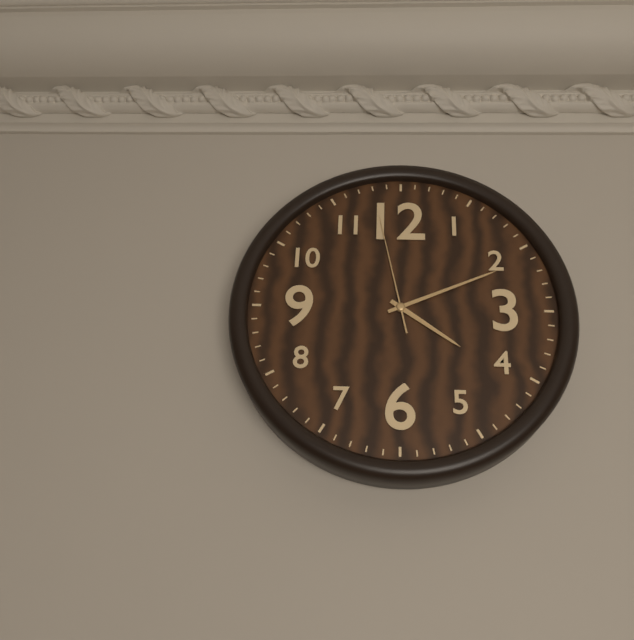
4.11.58
